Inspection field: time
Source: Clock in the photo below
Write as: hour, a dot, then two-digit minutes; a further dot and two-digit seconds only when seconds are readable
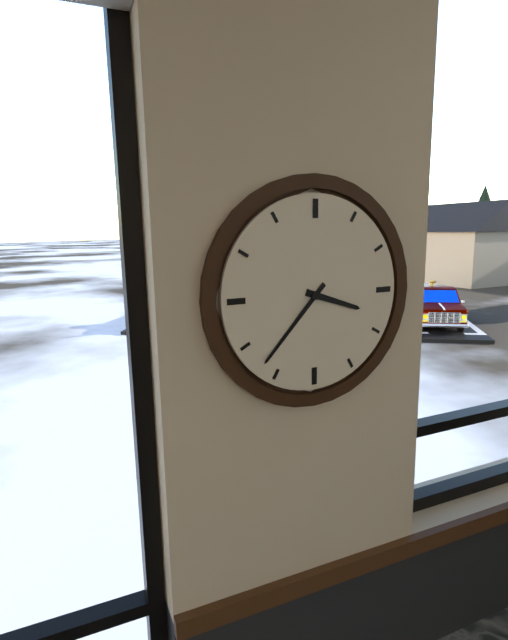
3.37
